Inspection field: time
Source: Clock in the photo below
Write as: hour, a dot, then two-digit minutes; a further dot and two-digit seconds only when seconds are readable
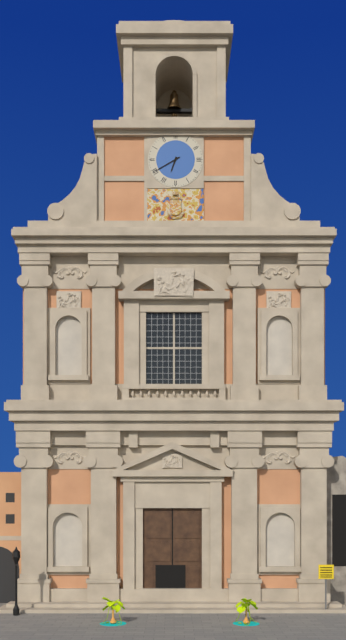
6.40
